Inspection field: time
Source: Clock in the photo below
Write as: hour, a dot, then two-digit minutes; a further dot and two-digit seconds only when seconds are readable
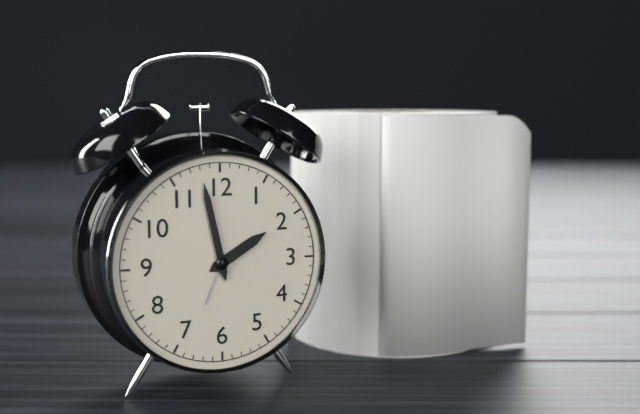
1.58
